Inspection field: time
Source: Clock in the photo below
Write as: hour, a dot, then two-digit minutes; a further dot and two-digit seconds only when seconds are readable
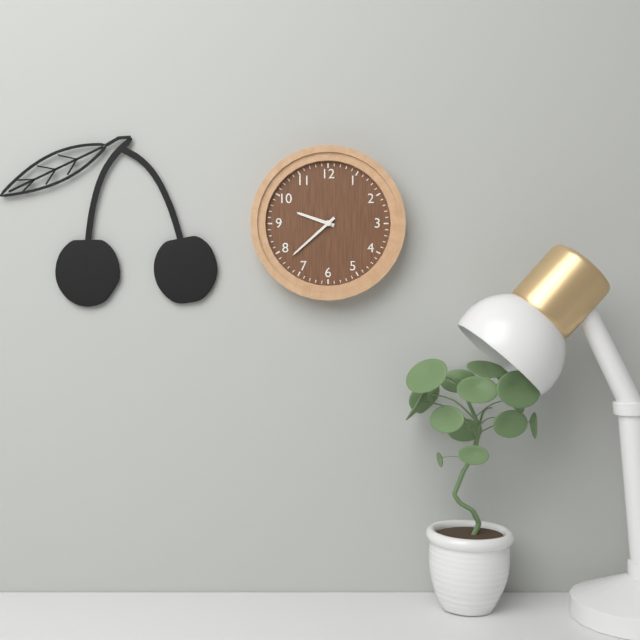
9.38
